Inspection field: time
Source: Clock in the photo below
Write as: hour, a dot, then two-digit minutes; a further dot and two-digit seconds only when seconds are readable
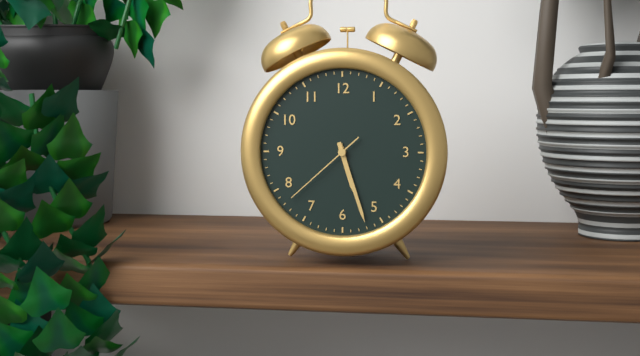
5.27.38
